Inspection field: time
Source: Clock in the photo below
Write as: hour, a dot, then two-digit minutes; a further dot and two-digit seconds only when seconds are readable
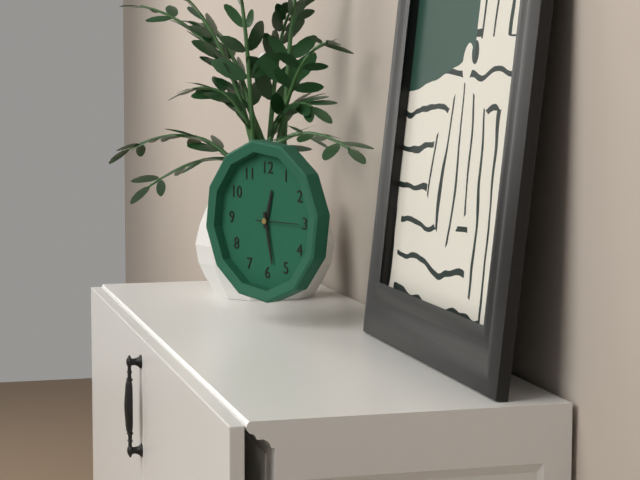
12.28
